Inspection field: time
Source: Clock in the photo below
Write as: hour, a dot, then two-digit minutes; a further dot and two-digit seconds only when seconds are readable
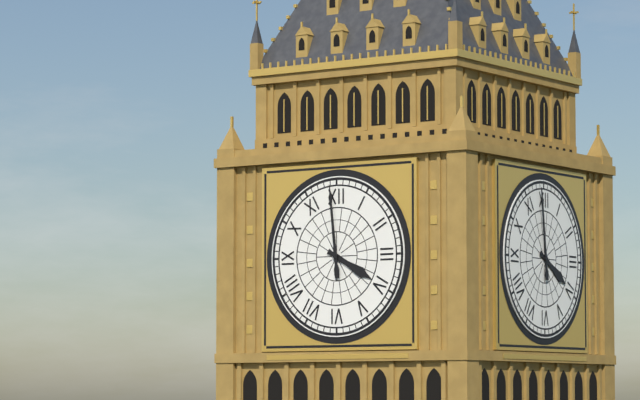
3.59
